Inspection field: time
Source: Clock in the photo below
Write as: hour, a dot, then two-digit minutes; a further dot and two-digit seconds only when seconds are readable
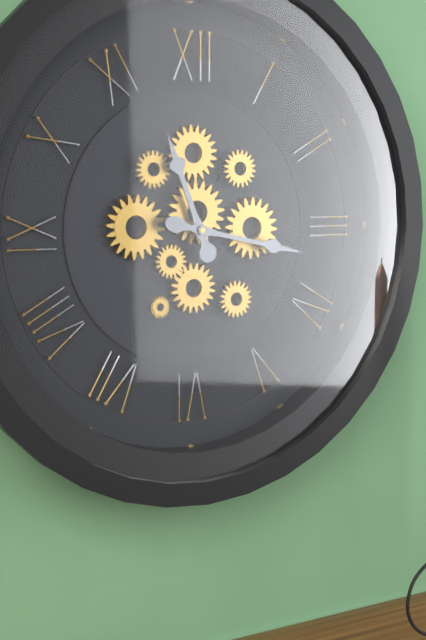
11.17
